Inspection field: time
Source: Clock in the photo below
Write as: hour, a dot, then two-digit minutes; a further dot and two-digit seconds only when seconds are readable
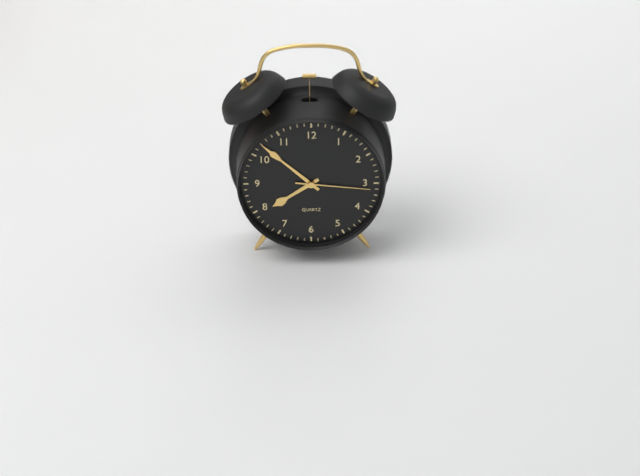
7.52.16
